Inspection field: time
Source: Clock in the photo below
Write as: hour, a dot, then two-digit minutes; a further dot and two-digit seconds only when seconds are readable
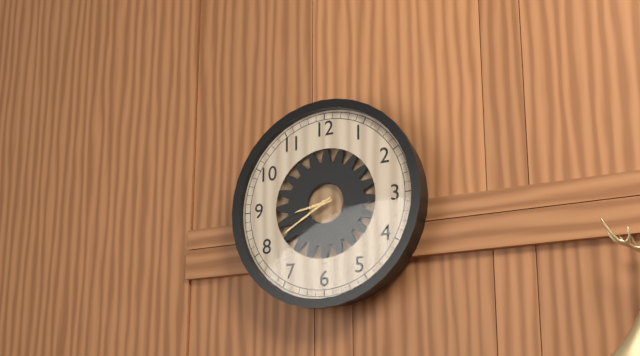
8.40
